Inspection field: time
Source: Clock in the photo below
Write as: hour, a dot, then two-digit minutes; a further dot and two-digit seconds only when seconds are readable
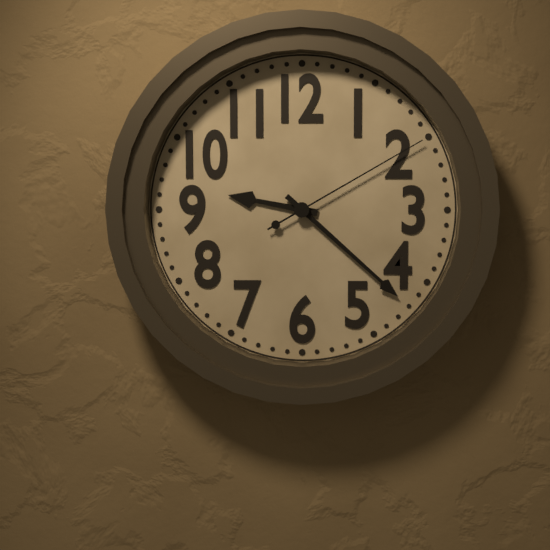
9.22.10
